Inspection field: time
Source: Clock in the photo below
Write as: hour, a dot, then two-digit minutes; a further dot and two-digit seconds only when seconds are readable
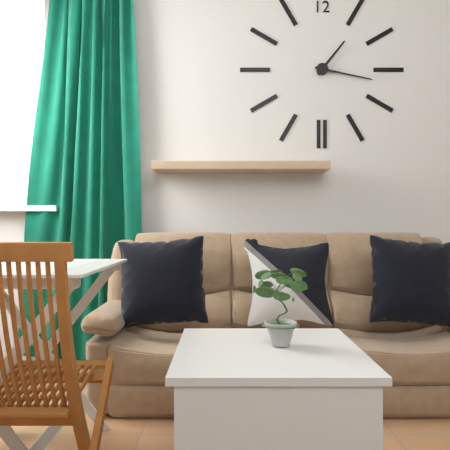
1.17
